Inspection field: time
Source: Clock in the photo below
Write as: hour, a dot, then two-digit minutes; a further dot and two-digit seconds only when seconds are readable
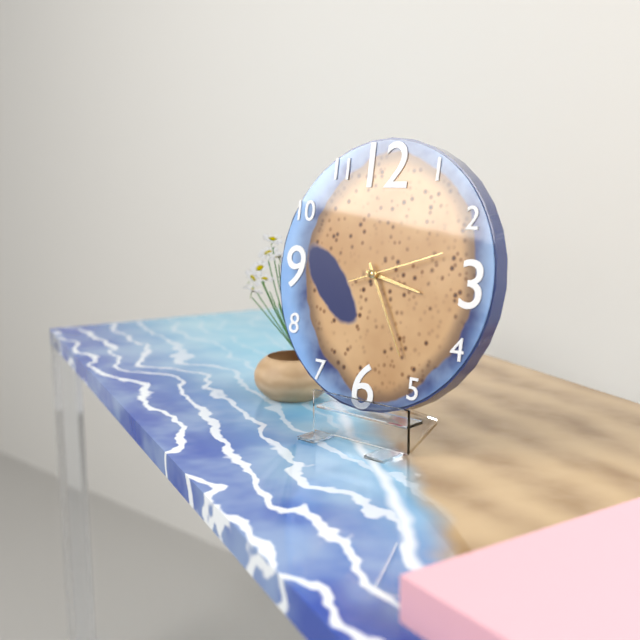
3.25.12
